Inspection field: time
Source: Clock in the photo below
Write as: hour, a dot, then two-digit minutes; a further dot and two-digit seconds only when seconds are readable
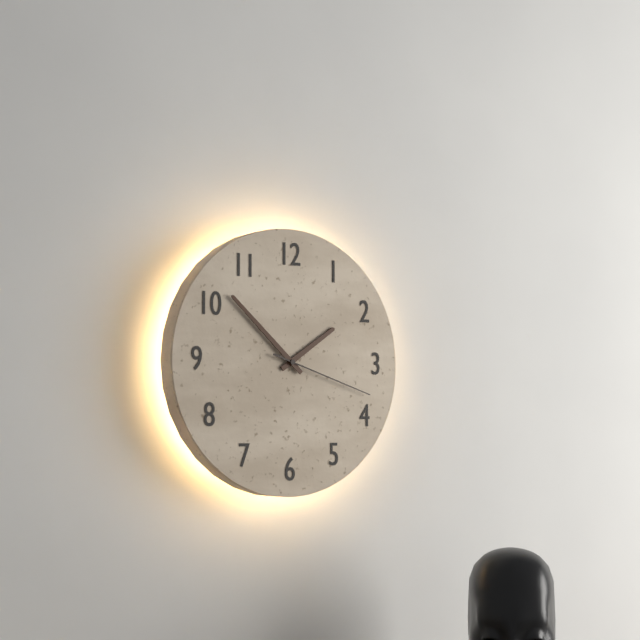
1.52.18
